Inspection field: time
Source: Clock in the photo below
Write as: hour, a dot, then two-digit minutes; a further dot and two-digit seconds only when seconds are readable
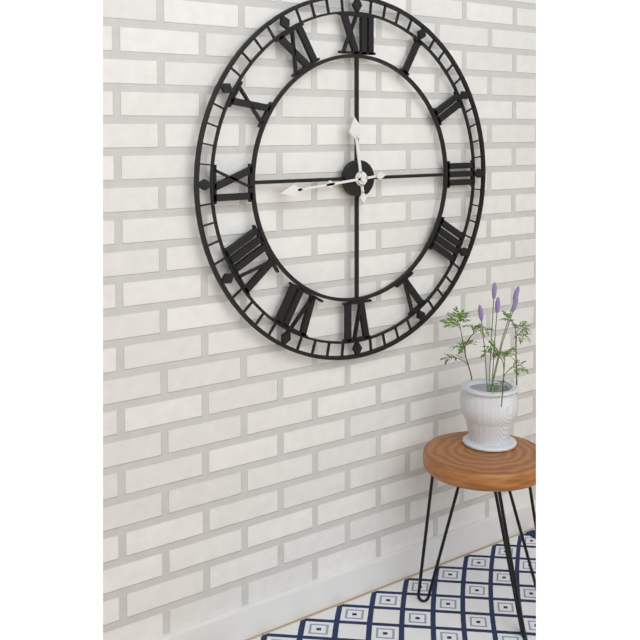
11.44
